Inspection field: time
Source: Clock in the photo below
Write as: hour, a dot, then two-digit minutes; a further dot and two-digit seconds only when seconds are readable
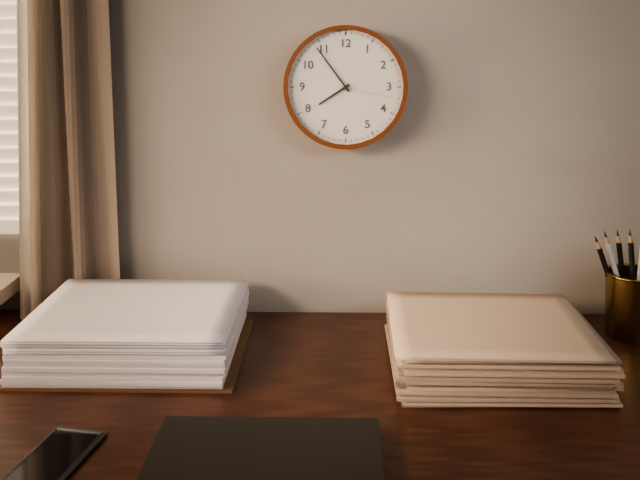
7.54.17
